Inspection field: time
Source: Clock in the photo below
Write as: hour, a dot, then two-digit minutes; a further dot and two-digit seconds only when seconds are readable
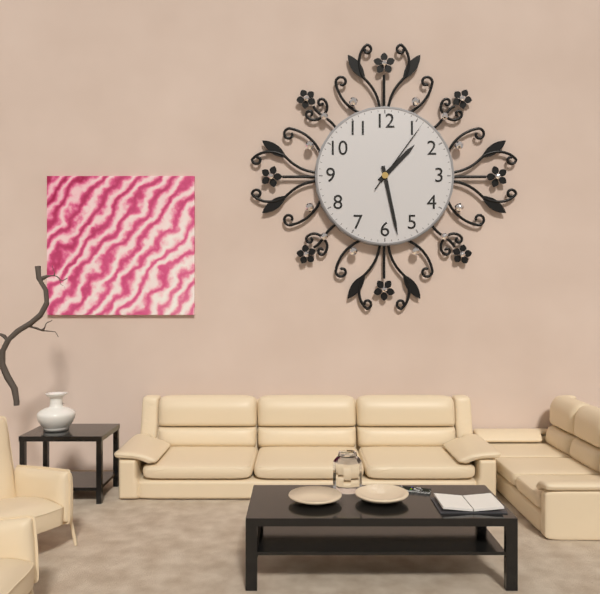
1.28.06
